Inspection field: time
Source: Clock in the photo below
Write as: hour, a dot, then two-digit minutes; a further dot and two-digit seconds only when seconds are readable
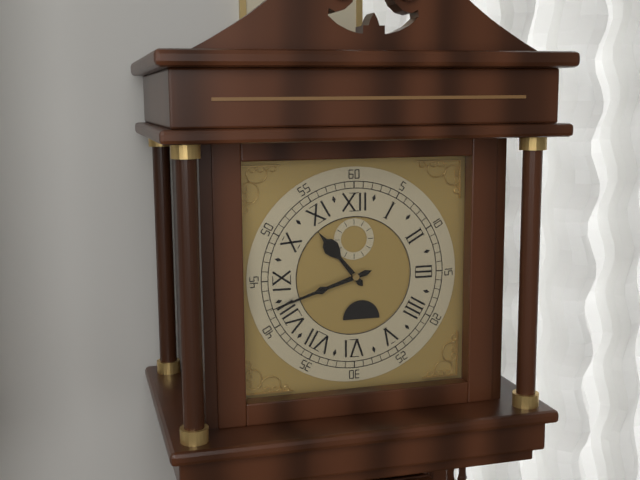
10.42
